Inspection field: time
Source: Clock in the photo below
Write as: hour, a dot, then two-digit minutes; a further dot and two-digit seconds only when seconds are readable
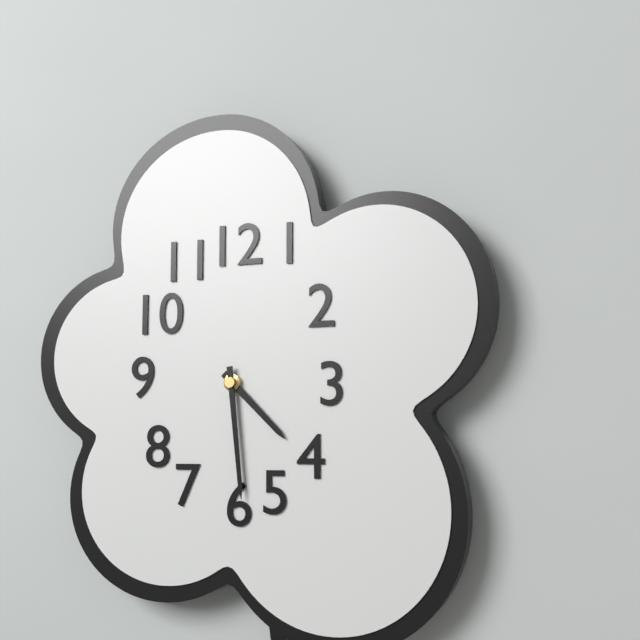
4.29
